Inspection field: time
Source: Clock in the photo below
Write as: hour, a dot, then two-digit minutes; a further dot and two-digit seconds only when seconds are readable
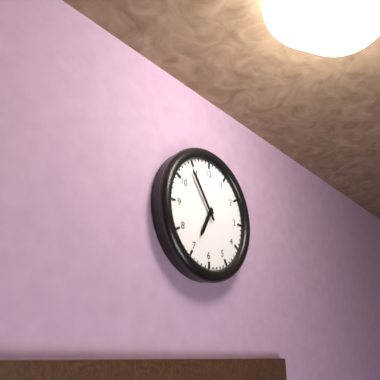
6.54
